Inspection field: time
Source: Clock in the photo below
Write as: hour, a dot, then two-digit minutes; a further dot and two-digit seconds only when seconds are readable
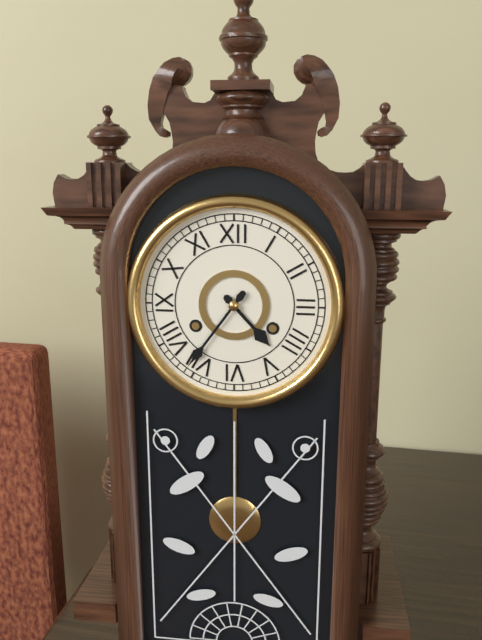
4.36
